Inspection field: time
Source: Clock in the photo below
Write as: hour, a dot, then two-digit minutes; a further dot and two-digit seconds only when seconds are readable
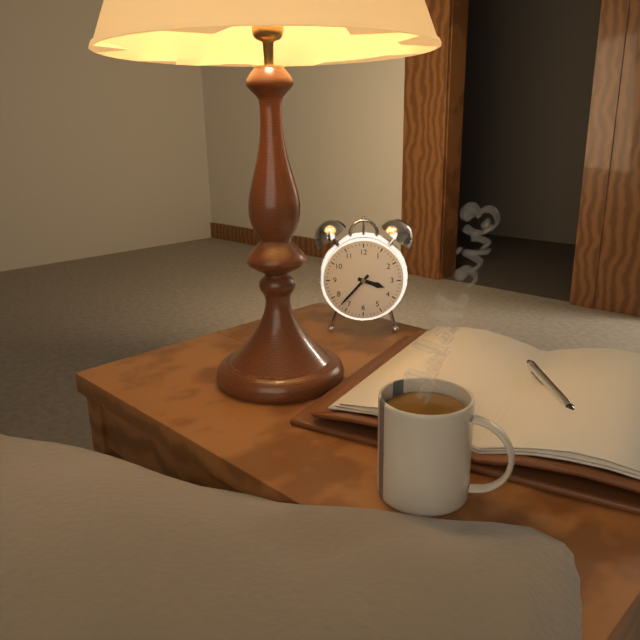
3.37
